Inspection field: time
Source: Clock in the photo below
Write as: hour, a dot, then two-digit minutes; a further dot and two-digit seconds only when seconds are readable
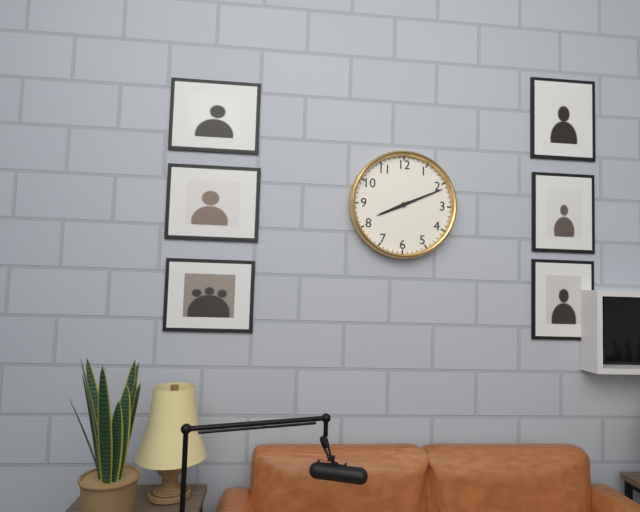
8.11
